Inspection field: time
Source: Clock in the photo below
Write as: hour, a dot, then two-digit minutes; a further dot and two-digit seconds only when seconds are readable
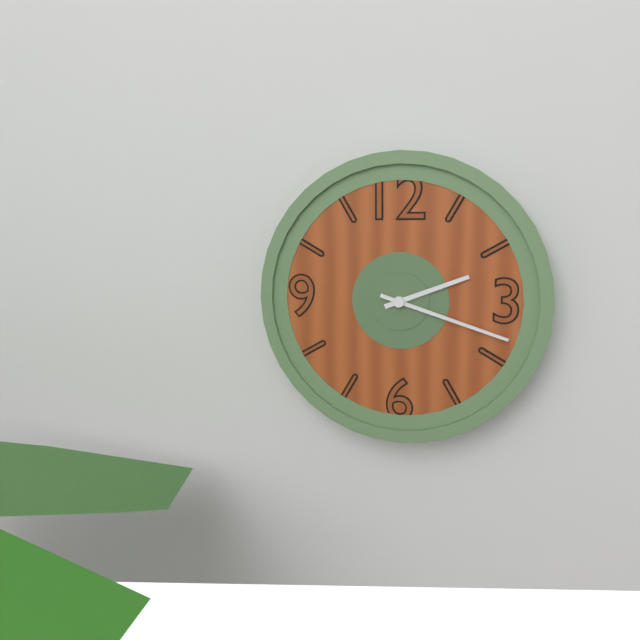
2.18
